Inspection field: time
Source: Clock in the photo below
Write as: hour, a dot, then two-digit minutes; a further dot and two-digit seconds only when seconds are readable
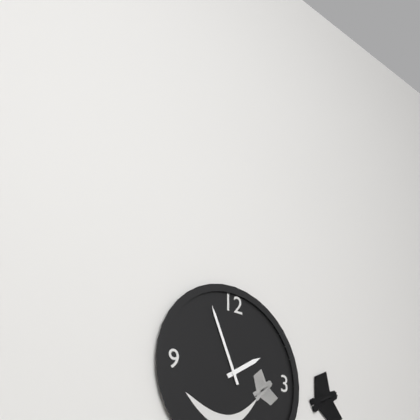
1.56
